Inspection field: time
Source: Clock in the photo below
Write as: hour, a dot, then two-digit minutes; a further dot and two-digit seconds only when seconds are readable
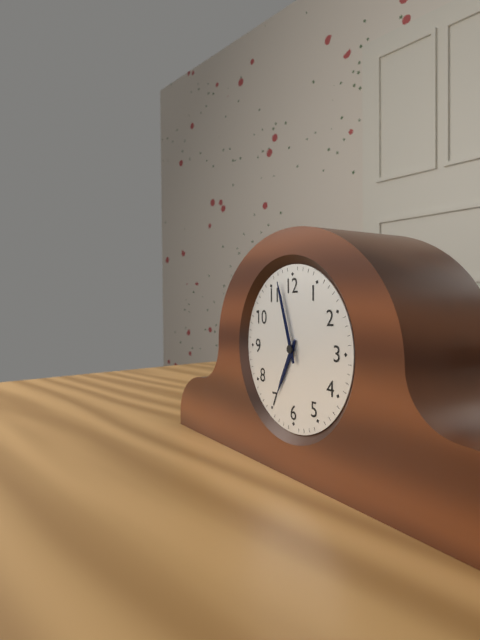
6.57
